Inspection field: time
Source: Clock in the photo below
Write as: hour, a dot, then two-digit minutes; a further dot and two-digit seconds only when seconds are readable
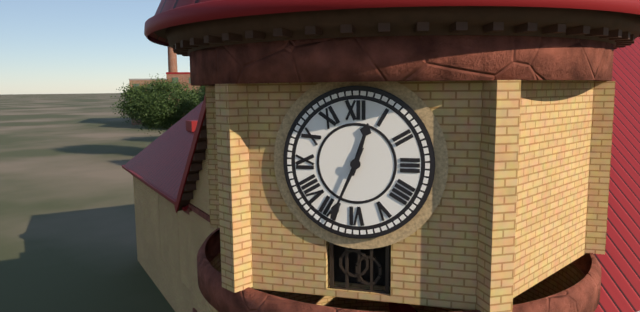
12.34
